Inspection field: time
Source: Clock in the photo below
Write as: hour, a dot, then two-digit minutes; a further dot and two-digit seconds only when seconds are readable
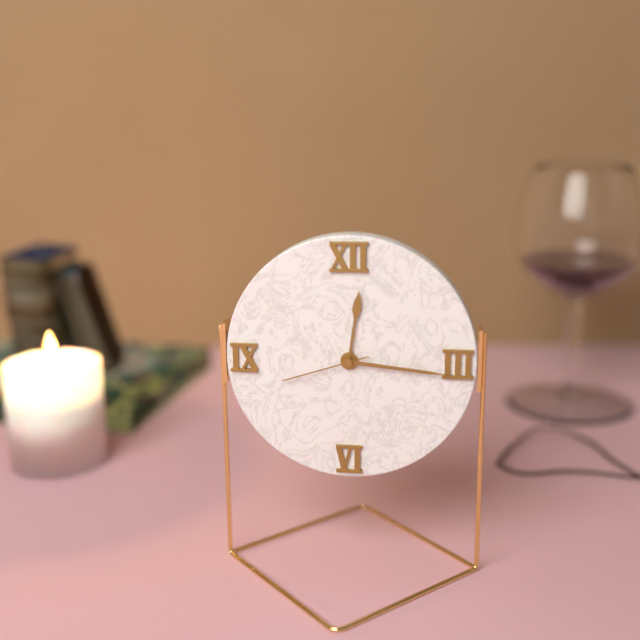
12.16.42
